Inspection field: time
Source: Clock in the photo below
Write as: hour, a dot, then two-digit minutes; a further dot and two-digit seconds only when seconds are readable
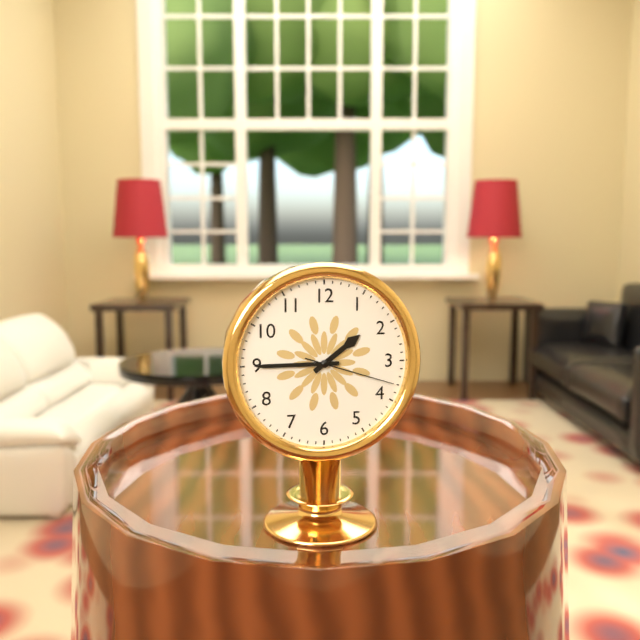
1.45.18
